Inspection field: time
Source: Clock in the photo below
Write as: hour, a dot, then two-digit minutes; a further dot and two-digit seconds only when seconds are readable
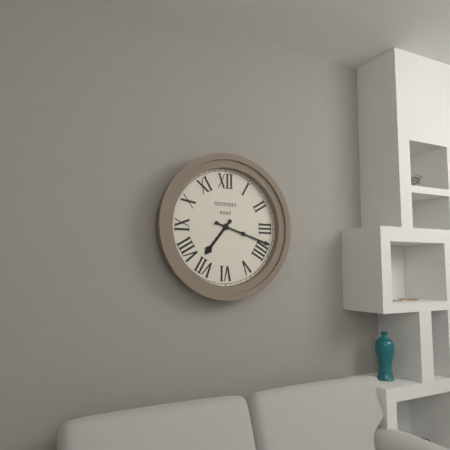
7.18
